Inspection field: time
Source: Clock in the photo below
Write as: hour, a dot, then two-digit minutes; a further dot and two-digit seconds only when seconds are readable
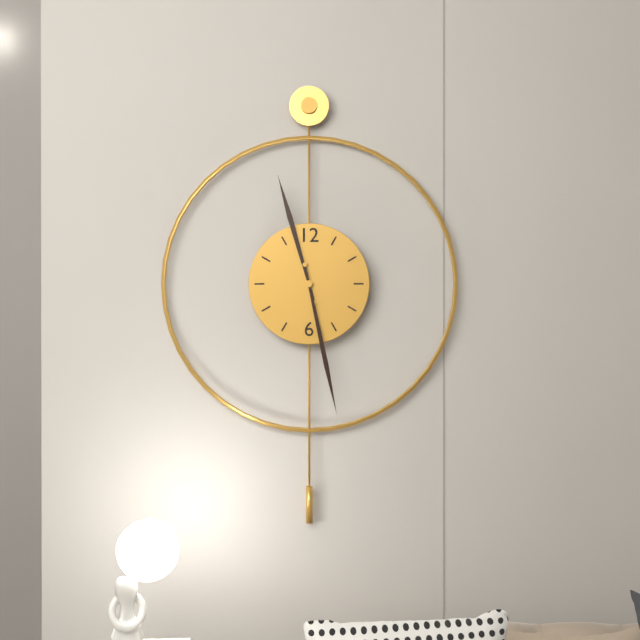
11.28
